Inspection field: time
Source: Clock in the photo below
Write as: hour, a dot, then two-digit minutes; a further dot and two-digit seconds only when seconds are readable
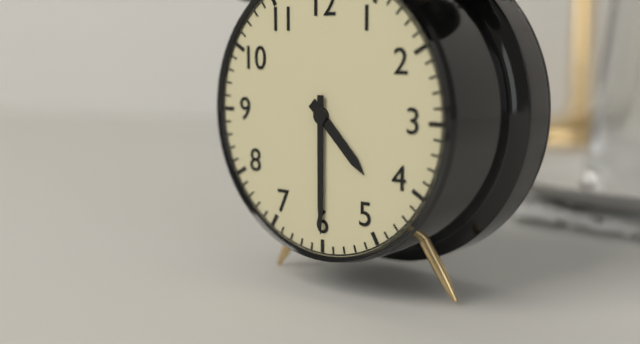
4.30
